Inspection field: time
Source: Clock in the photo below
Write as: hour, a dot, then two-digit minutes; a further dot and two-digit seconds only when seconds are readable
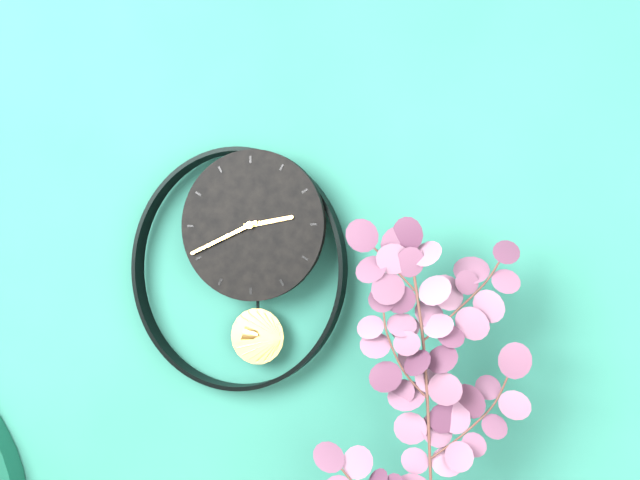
2.41
